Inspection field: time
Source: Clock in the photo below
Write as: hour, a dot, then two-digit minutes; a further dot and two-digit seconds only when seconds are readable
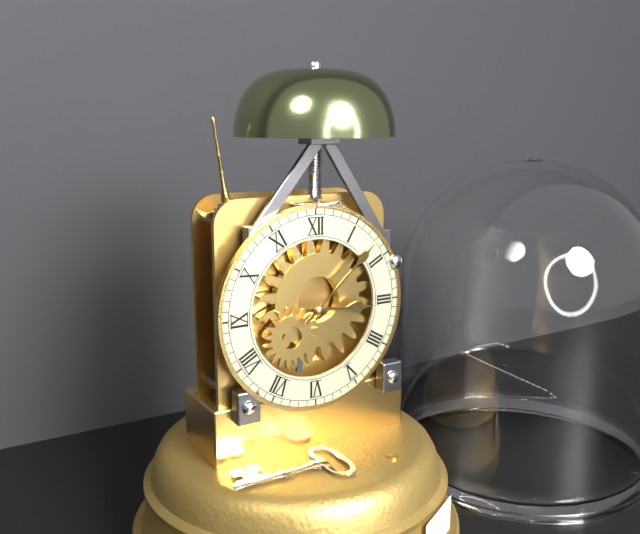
3.08
